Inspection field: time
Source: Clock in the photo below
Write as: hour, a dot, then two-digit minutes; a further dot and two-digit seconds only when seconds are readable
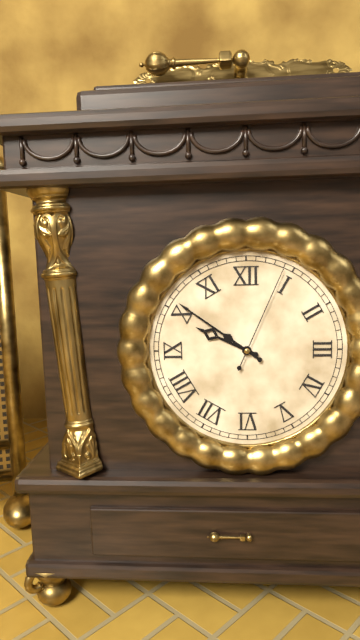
9.51.04
